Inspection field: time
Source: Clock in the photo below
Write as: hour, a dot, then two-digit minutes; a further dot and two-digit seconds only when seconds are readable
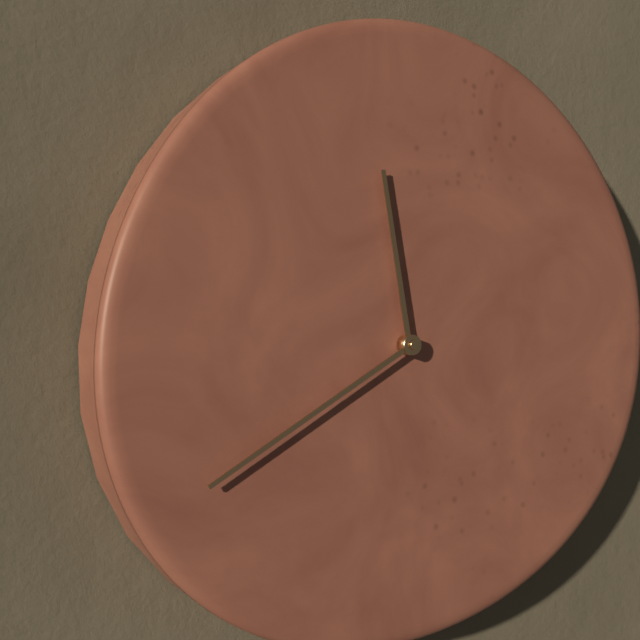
11.40
